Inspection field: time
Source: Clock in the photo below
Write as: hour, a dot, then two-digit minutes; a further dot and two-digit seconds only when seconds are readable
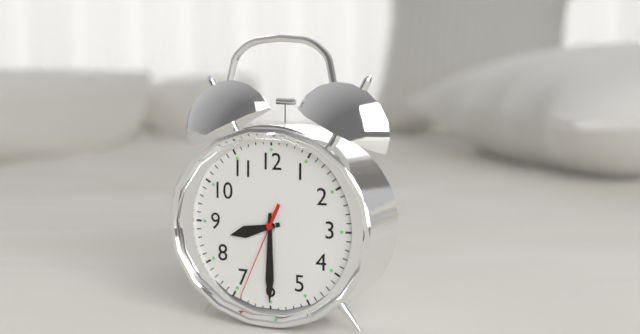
8.30.34
